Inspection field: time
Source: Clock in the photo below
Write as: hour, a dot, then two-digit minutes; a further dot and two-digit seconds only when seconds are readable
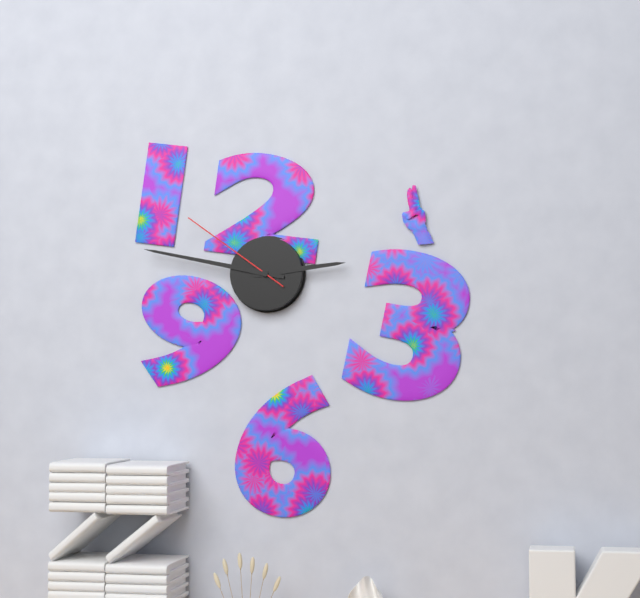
2.47.51
